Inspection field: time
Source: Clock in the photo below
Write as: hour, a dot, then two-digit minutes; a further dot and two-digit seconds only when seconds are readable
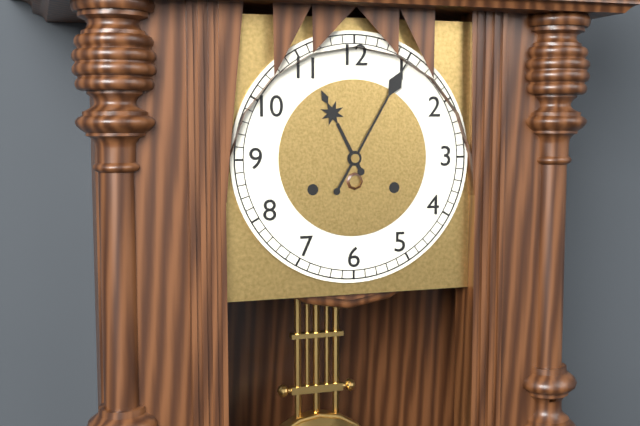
11.05
